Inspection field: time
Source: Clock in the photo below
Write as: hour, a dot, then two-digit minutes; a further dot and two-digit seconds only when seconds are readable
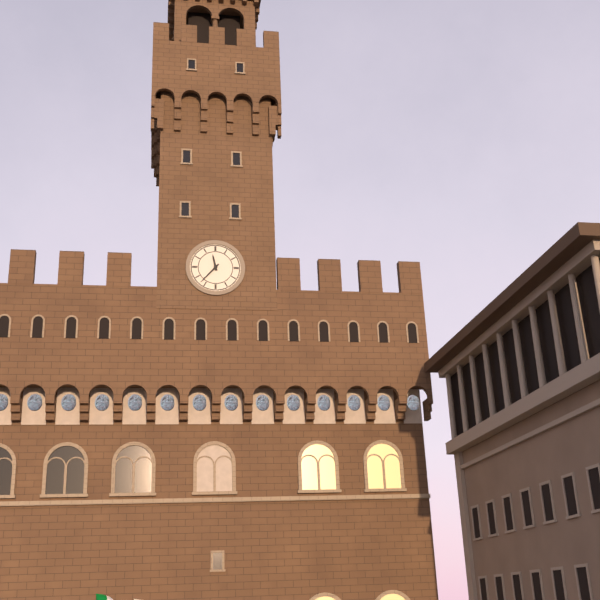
11.37
